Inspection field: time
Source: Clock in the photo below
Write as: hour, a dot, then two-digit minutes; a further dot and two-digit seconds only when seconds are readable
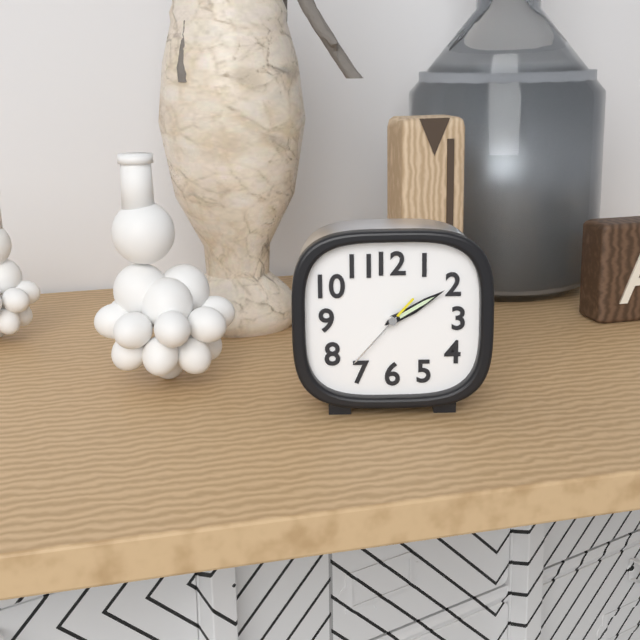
2.10.37
